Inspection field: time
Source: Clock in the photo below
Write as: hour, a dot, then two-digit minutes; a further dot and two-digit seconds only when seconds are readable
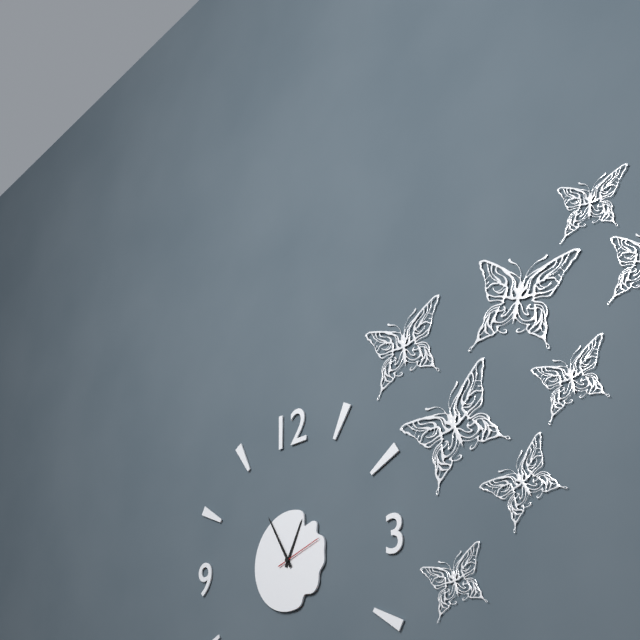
12.55
